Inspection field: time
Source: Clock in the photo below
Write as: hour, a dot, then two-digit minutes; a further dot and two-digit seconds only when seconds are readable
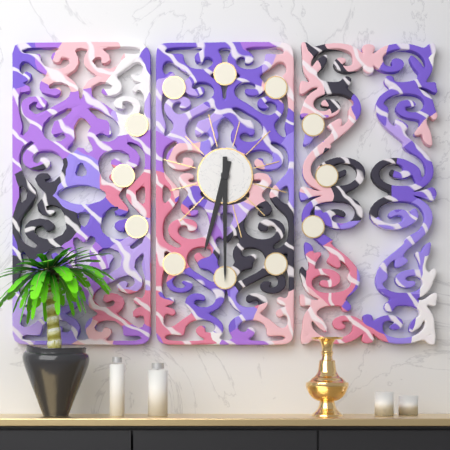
6.30
